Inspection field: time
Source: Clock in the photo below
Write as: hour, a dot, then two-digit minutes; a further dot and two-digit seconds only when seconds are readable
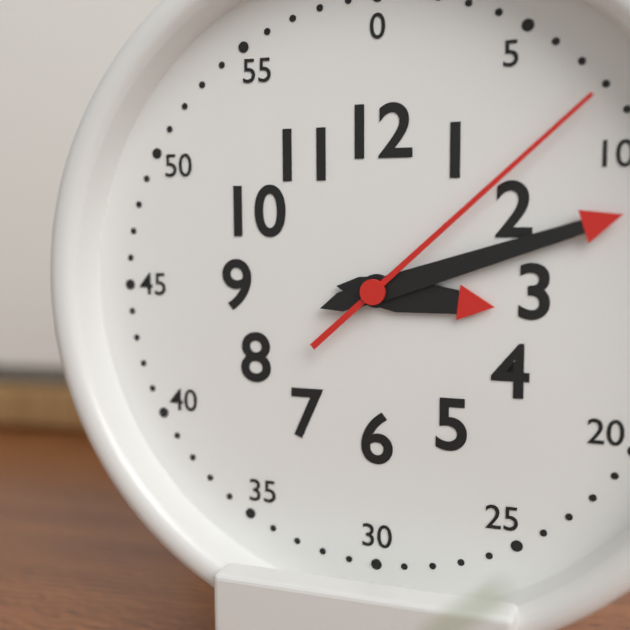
3.12.08
